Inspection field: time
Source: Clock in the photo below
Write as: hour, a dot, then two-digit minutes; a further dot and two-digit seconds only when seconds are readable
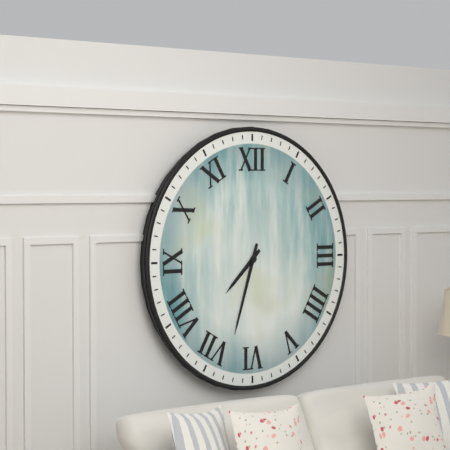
7.33
